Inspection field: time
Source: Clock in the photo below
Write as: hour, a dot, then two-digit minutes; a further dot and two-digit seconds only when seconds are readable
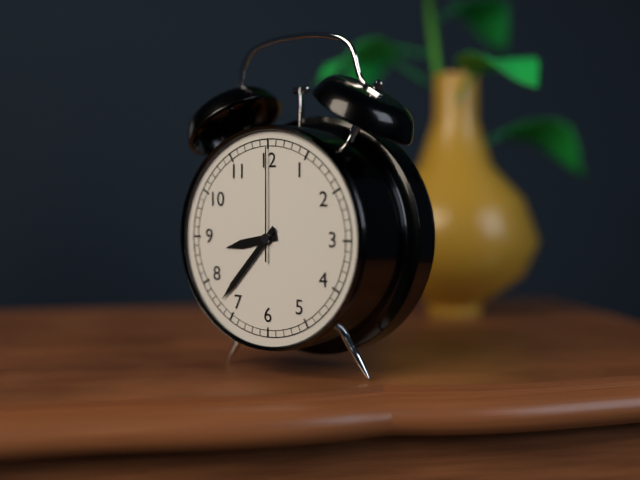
8.37.00
